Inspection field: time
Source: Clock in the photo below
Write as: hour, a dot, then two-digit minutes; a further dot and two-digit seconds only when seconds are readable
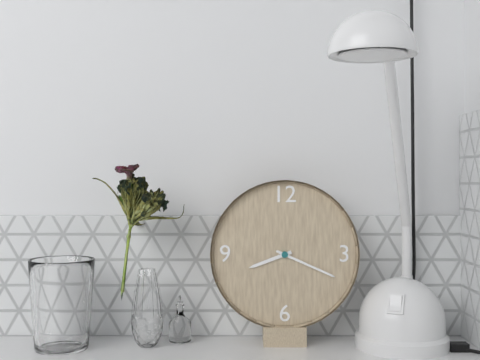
8.19
